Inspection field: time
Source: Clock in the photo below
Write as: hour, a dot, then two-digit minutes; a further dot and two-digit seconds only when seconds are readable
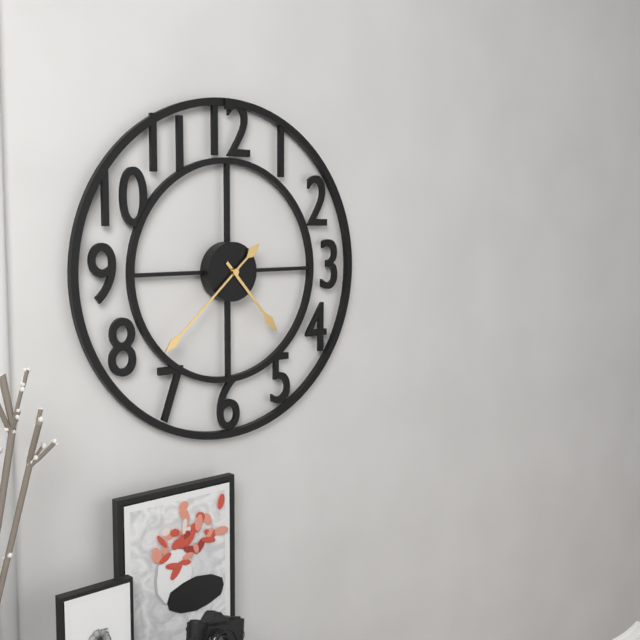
4.38
